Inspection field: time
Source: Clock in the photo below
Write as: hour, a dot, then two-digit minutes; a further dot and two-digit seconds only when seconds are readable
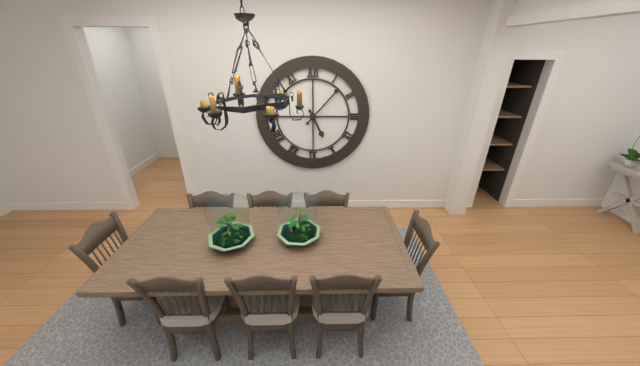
5.07
